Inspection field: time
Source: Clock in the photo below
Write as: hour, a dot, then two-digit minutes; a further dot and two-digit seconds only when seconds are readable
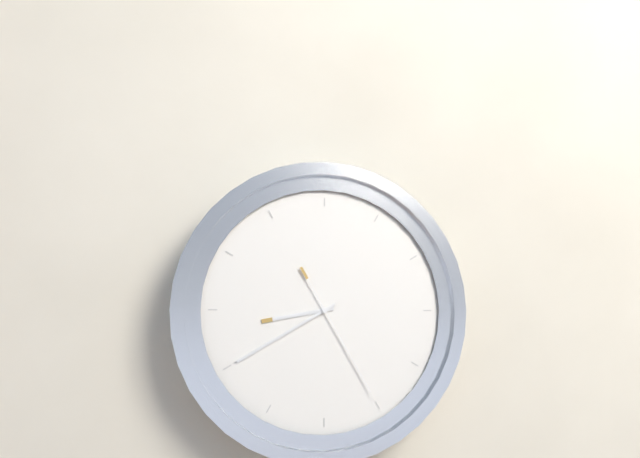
8.40.25
